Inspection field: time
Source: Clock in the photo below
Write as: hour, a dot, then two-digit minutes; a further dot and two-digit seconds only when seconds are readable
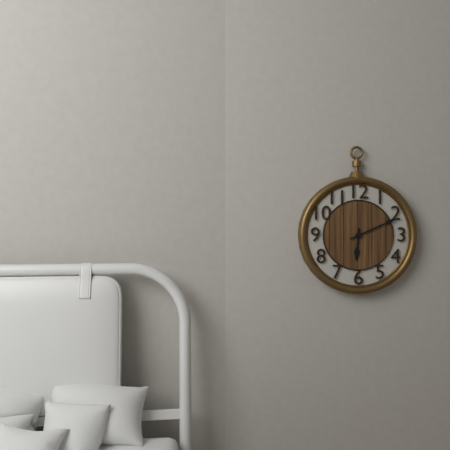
6.11
